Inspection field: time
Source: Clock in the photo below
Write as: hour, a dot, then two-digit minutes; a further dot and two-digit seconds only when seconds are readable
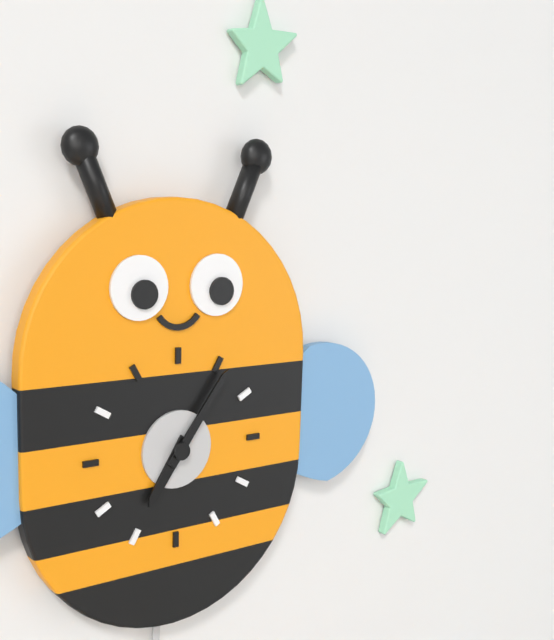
7.06
